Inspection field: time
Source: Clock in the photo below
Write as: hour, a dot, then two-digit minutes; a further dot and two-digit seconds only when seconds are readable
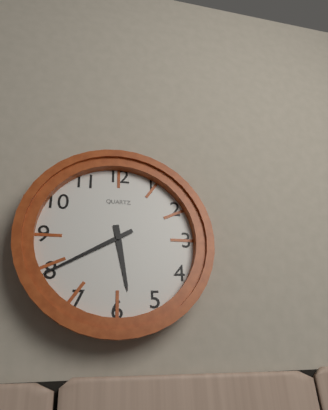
5.40
